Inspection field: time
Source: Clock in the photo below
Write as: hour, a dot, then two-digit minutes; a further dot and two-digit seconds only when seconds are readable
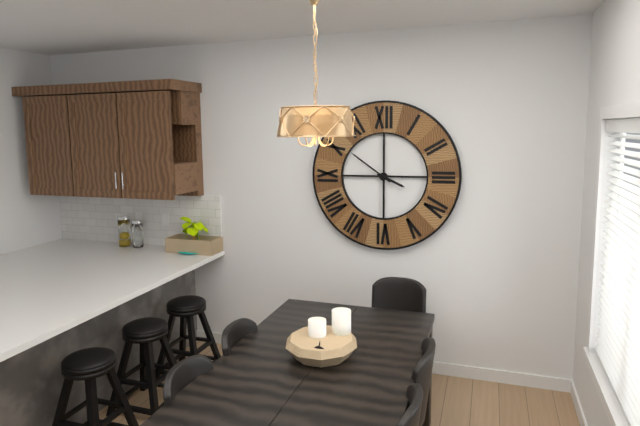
3.51
